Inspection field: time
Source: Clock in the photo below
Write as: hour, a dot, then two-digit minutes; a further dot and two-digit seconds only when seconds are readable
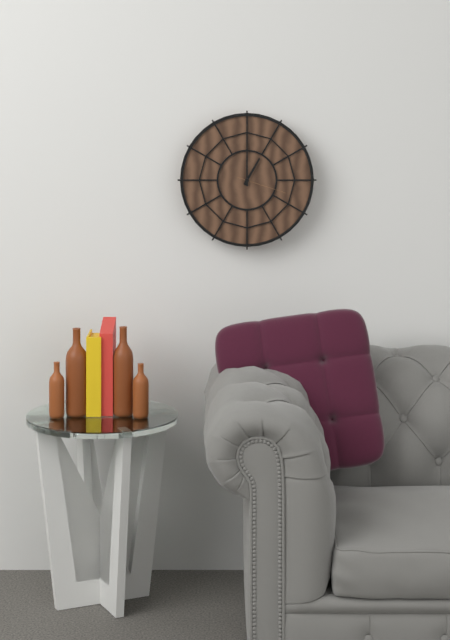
1.00.18
